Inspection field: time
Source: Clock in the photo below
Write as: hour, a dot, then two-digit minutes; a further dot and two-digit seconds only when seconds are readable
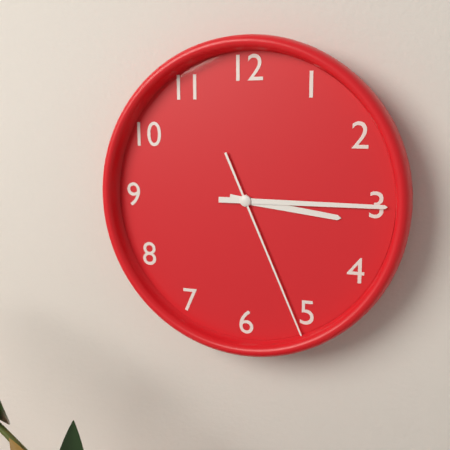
3.15.26
